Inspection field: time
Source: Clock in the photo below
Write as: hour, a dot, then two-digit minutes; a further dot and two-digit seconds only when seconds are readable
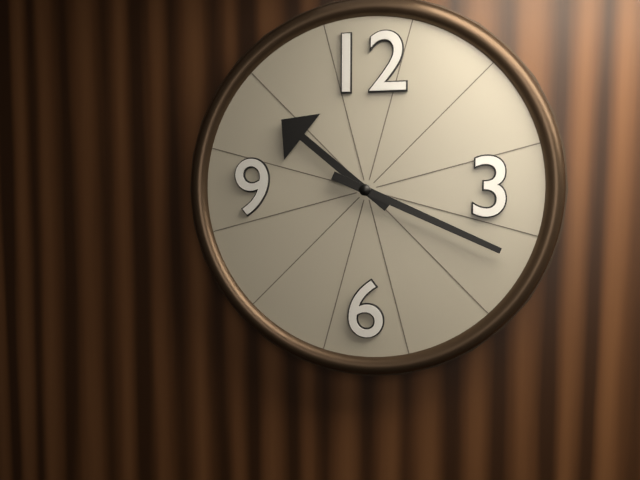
10.19
